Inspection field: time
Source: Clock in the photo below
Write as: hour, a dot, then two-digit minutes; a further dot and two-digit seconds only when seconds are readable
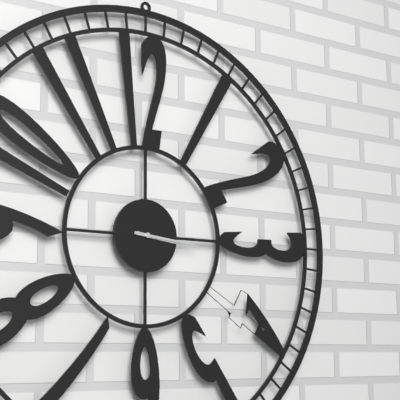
3.16
